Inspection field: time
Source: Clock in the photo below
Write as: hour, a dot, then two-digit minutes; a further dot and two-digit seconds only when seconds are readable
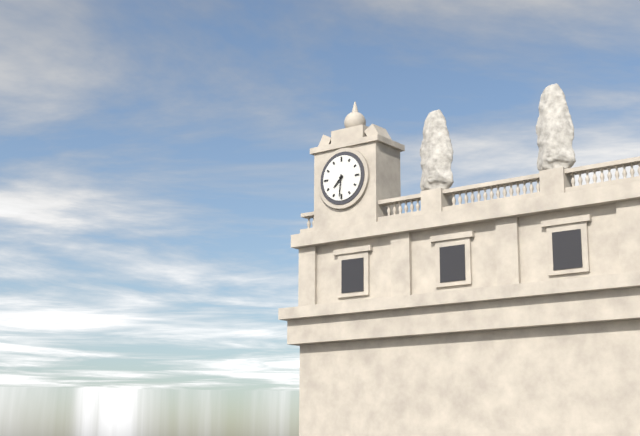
7.31
